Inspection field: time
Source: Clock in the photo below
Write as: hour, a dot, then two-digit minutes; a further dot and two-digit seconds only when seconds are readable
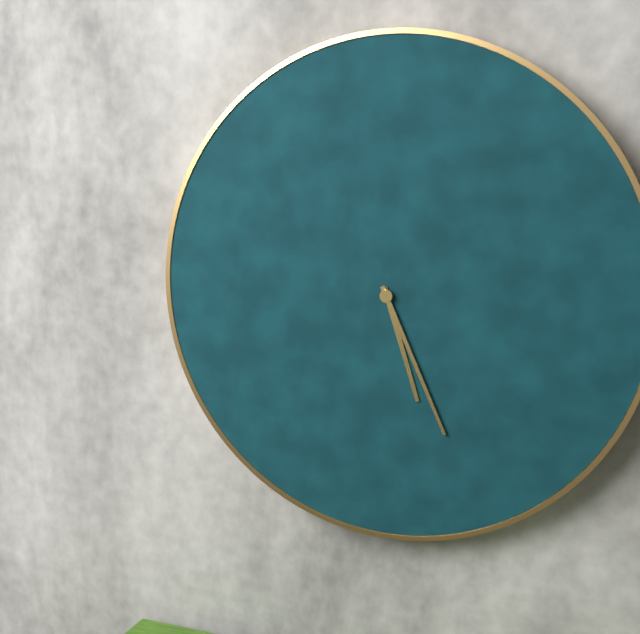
5.26
